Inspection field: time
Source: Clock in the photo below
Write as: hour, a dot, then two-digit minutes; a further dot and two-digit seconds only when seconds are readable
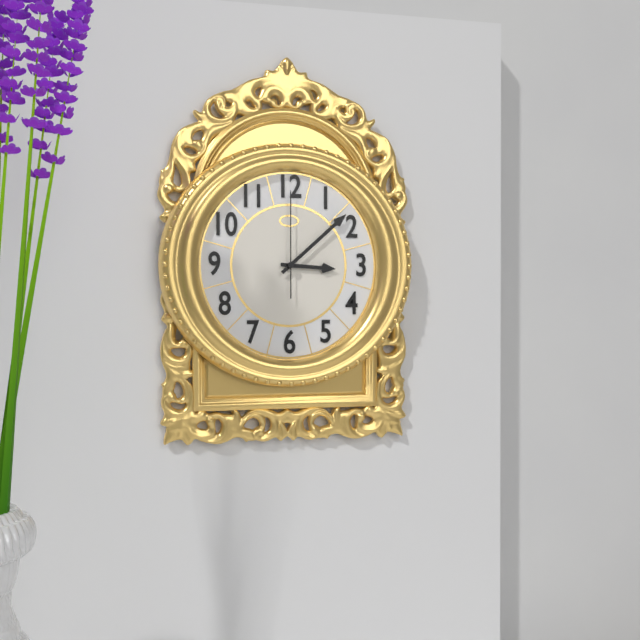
3.08.00
